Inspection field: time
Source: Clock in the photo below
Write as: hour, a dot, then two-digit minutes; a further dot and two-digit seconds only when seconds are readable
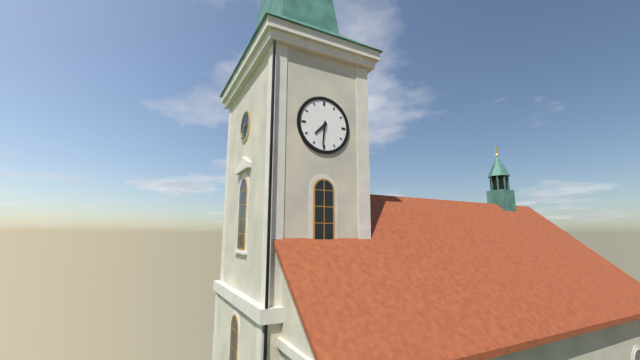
7.31
